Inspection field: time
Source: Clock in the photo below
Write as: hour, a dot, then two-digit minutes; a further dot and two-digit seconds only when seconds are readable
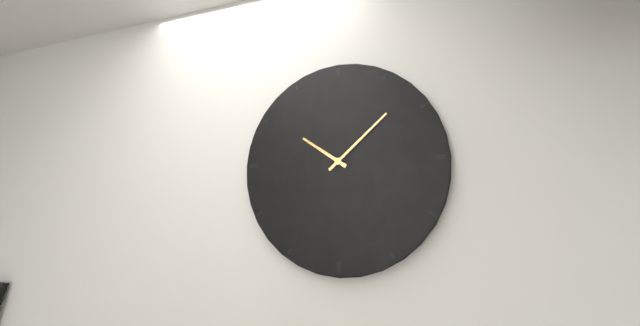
10.08
